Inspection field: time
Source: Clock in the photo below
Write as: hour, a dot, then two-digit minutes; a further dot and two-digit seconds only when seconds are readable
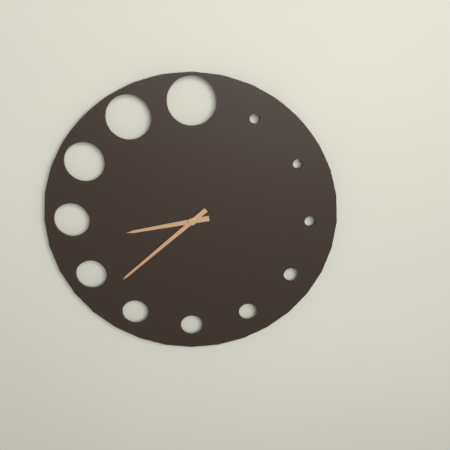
8.38
